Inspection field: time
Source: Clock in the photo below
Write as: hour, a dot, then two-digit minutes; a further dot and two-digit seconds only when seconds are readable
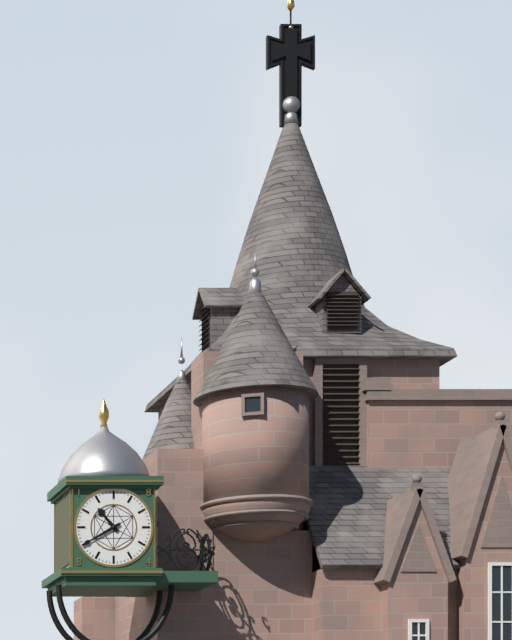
10.40
